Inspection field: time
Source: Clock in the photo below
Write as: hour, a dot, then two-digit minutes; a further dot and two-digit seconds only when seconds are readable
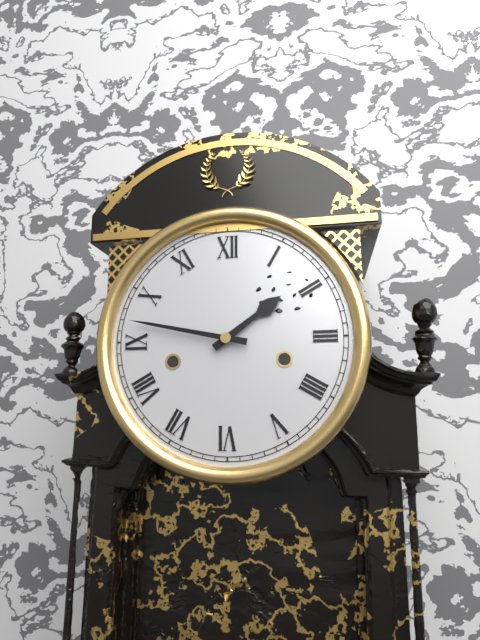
1.47
